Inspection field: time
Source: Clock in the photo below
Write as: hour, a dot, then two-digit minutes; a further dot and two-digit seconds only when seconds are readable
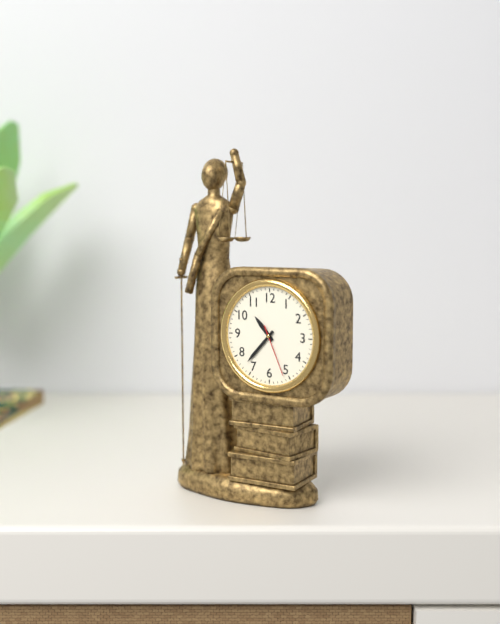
10.37.26
